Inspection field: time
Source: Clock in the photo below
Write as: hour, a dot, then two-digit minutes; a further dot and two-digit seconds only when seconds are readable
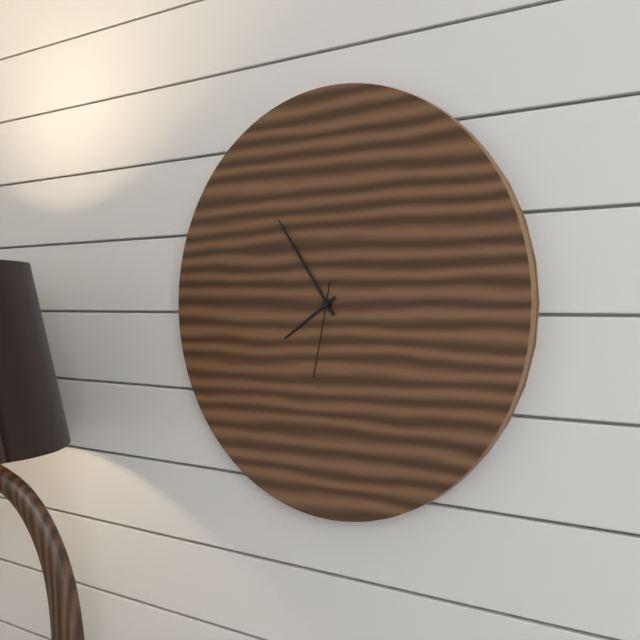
7.54.32
